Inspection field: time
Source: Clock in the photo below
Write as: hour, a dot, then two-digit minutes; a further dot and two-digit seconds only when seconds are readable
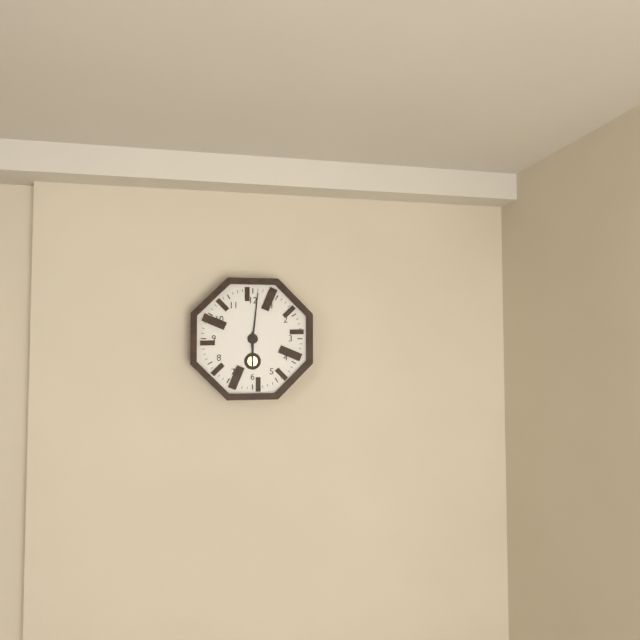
6.01
